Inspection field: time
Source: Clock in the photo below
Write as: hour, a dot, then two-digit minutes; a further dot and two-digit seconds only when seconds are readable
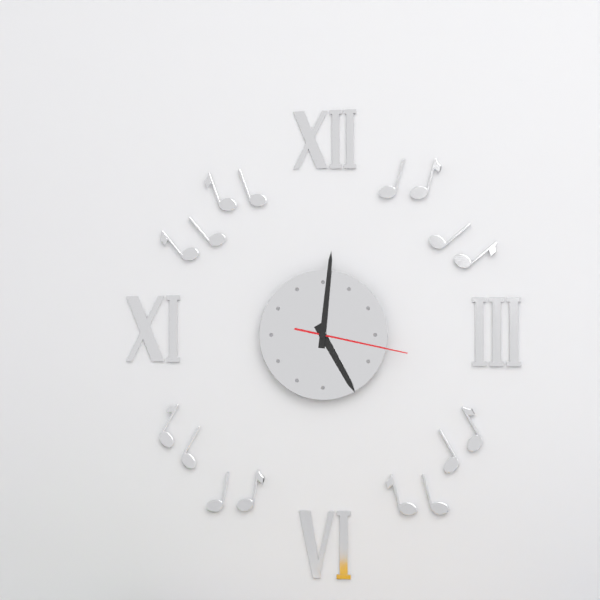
5.01.17
